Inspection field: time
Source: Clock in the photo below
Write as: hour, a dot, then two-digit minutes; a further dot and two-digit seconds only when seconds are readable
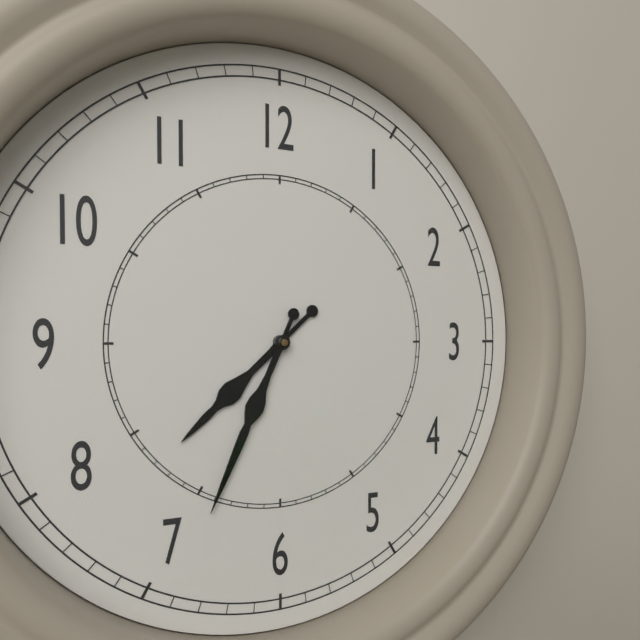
7.34
